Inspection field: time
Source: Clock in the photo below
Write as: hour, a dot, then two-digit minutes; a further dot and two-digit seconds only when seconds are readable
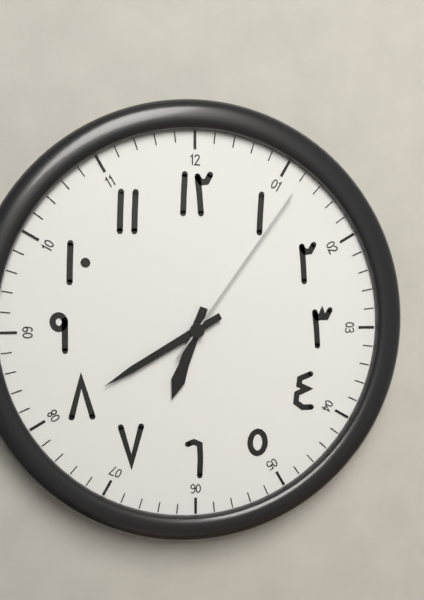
6.40.06
